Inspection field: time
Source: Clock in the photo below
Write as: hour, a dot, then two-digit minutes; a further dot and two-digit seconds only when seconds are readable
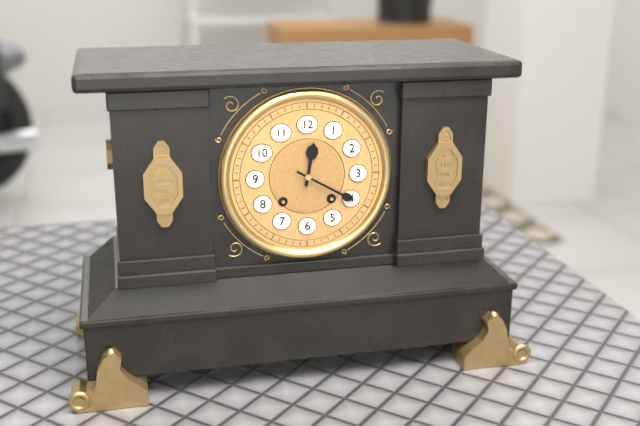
12.20
